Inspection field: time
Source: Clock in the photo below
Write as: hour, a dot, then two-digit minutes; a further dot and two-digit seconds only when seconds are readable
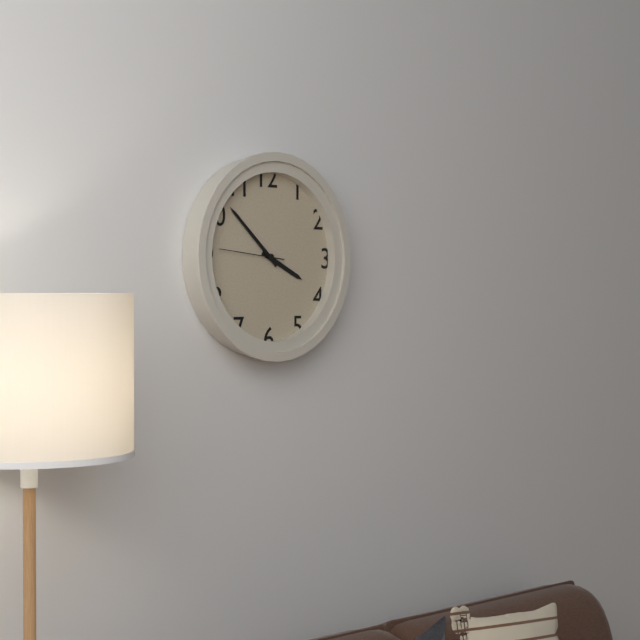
3.52.46
